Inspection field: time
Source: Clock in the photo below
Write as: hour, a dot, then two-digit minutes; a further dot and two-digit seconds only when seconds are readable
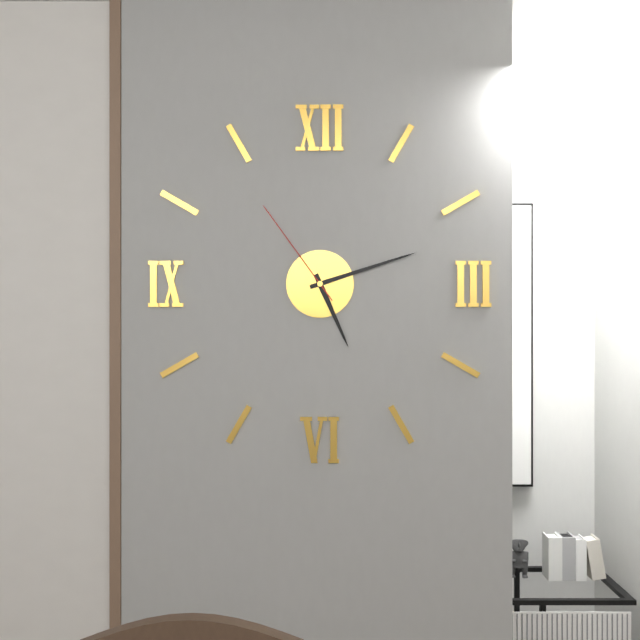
5.12.54
